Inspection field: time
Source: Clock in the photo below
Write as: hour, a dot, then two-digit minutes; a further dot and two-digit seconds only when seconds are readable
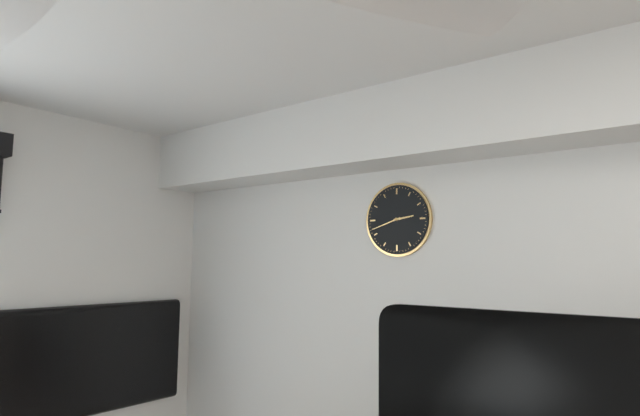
2.42
